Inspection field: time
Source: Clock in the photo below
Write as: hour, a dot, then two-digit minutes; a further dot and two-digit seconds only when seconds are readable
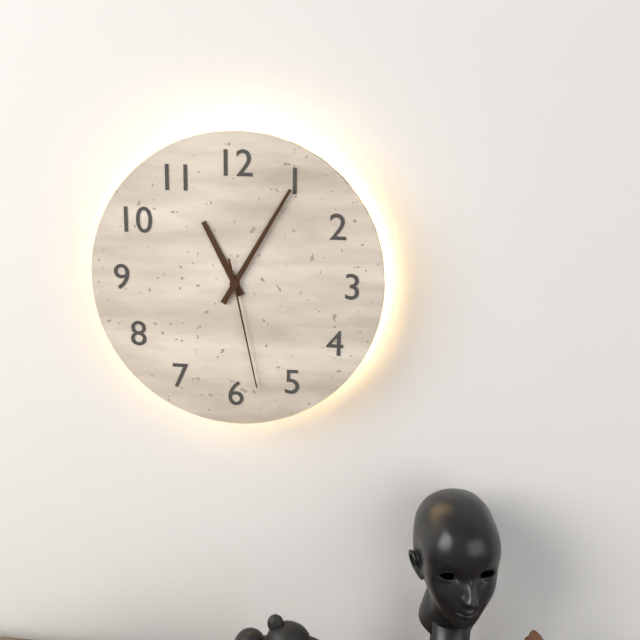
11.05.28
